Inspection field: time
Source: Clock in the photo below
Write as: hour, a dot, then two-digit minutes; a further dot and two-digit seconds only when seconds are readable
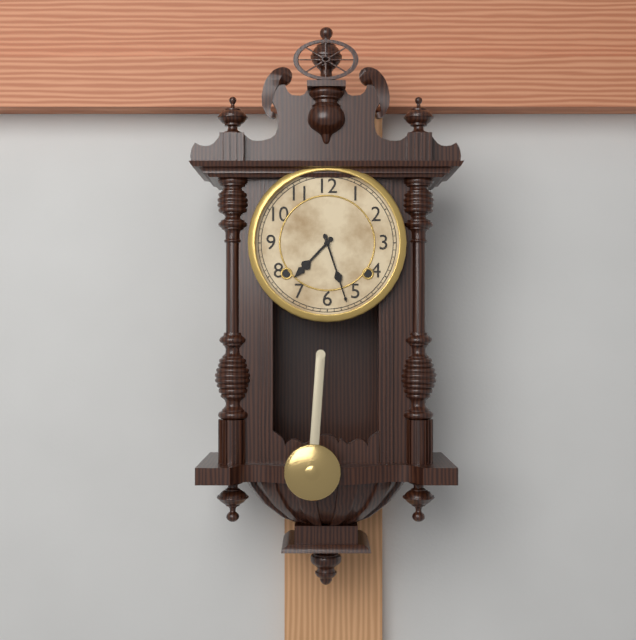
7.27
